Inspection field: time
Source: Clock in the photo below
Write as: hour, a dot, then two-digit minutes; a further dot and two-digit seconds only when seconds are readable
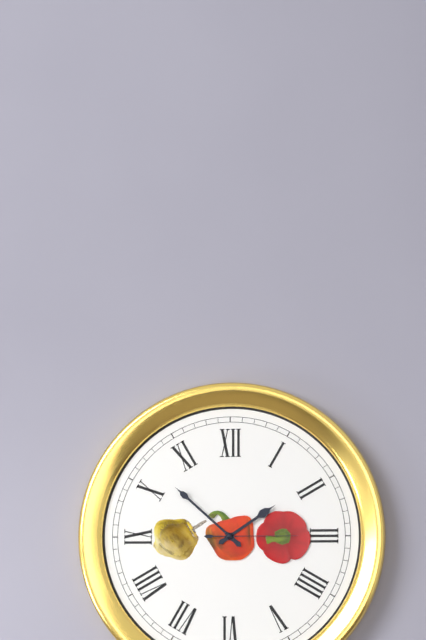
1.52.15
